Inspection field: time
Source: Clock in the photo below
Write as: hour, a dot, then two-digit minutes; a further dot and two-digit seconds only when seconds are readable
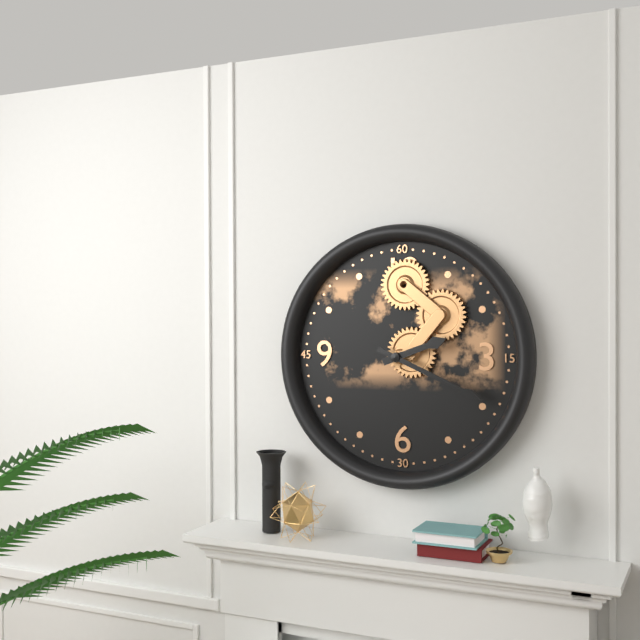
2.19
